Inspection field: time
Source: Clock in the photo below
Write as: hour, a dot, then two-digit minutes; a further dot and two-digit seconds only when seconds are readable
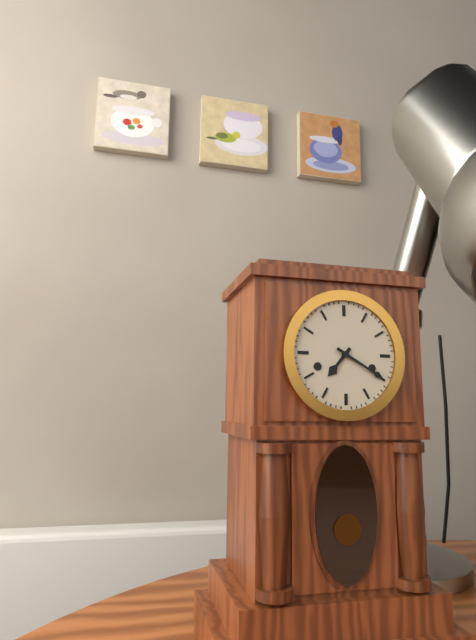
7.20
